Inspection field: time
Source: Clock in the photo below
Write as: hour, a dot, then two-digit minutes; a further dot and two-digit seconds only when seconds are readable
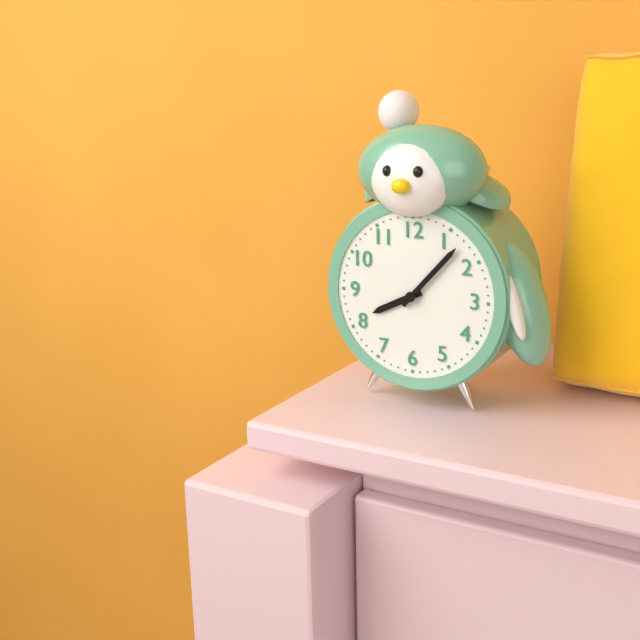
8.07
